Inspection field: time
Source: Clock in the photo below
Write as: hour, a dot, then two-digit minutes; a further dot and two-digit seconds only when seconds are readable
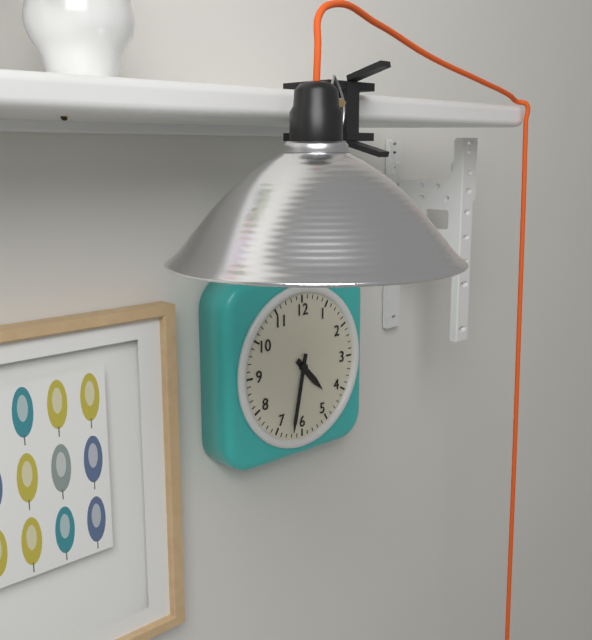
4.32
